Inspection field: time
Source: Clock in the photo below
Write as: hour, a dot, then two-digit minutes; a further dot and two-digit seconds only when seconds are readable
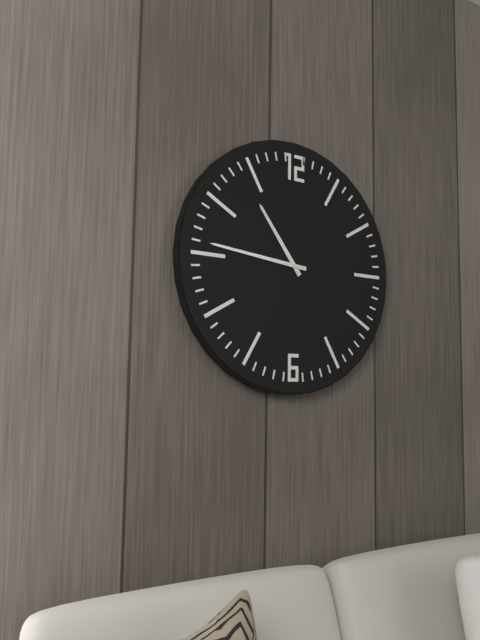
10.46
